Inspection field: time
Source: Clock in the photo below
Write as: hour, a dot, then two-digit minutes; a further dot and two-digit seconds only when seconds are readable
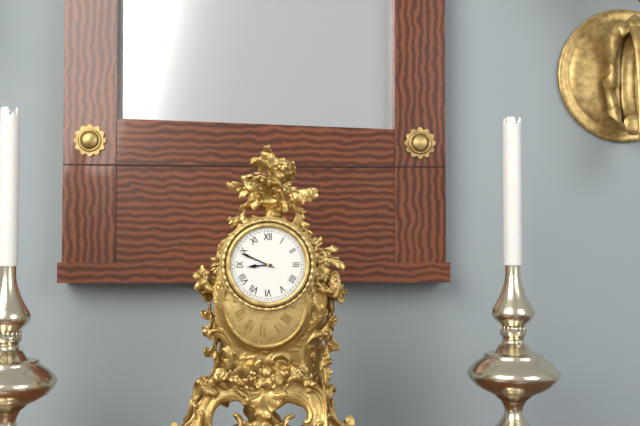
8.49
